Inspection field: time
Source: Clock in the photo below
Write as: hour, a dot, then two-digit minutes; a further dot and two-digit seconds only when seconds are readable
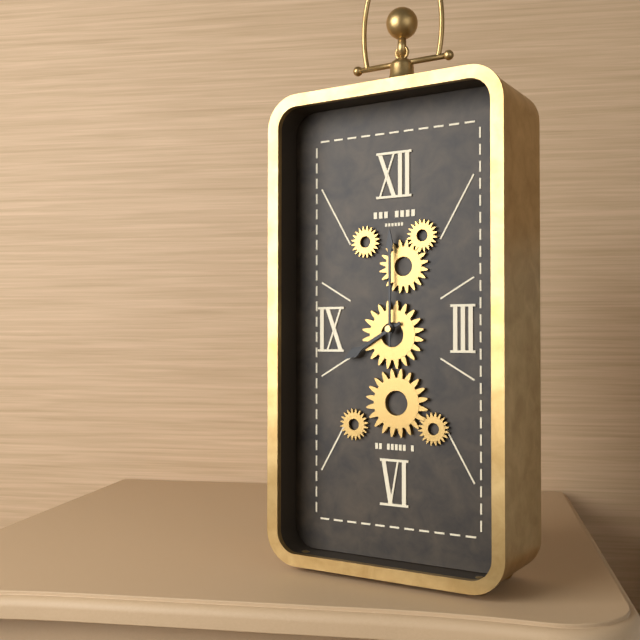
8.00
